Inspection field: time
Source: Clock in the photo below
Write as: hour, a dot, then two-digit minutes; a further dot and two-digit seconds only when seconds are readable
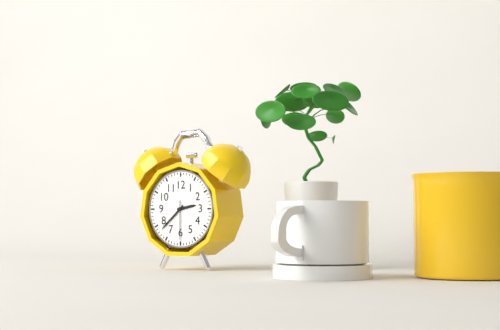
2.38
